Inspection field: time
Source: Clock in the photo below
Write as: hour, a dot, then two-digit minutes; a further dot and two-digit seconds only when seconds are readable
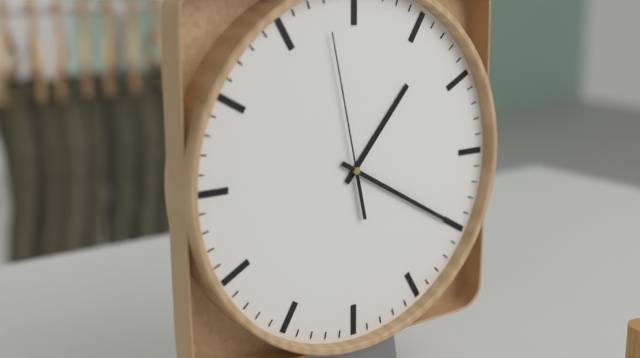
1.20.58
